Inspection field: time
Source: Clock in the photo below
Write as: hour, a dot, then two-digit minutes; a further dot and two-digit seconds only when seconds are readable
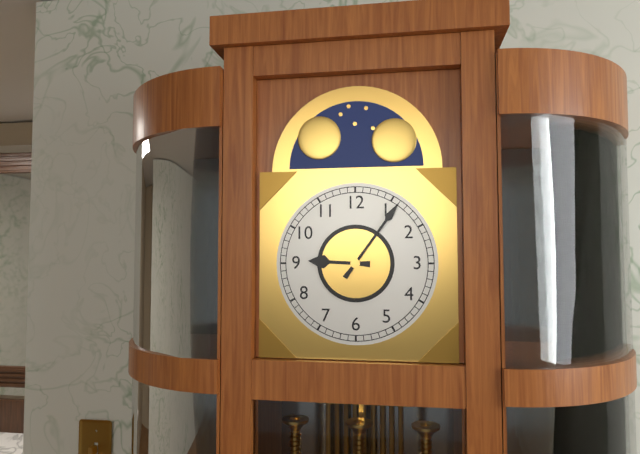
9.06
